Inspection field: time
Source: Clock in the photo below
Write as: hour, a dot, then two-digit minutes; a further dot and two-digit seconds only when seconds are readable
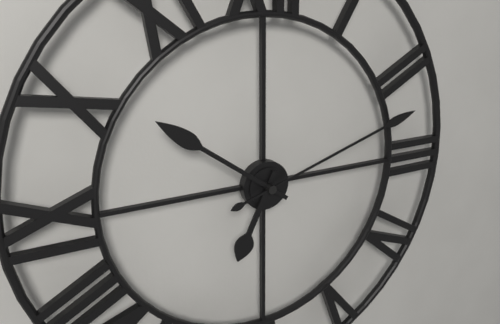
6.51.12
